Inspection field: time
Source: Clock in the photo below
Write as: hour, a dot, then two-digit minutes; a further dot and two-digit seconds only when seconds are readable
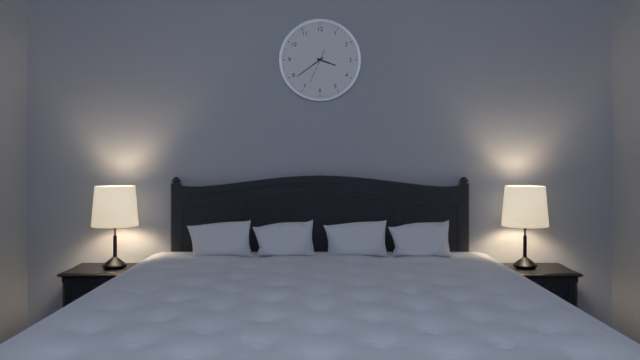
3.39
